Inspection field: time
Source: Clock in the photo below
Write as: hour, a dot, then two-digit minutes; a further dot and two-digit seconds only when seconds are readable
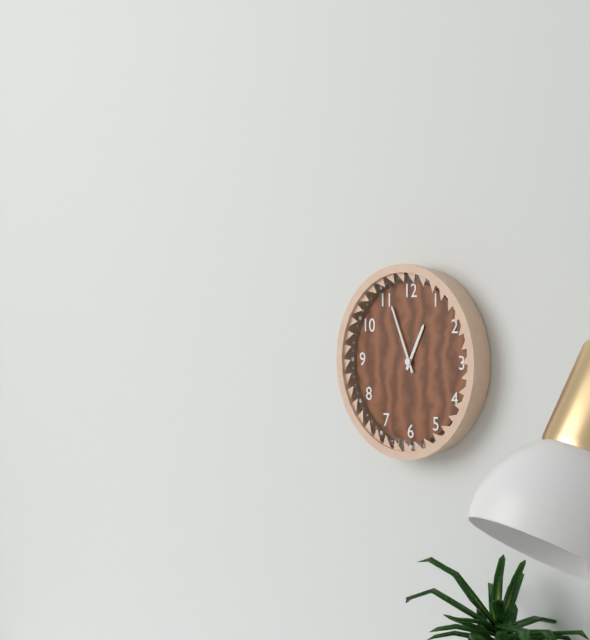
12.56
